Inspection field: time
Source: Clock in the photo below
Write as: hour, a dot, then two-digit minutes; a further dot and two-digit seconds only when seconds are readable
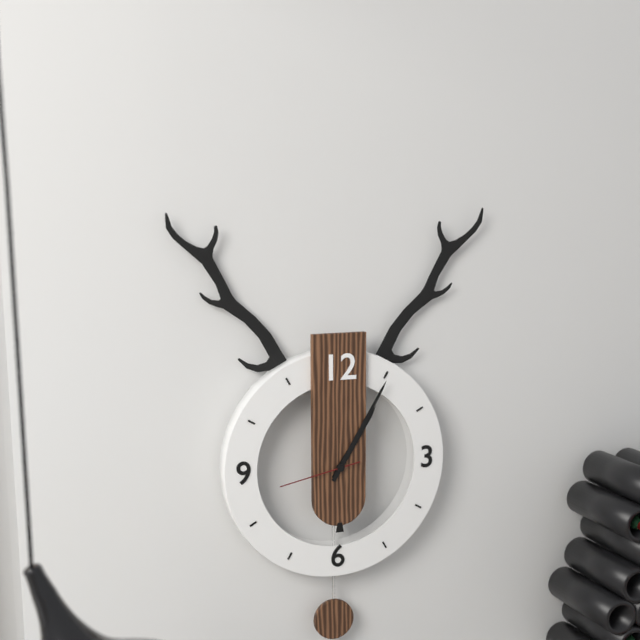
1.05.43
